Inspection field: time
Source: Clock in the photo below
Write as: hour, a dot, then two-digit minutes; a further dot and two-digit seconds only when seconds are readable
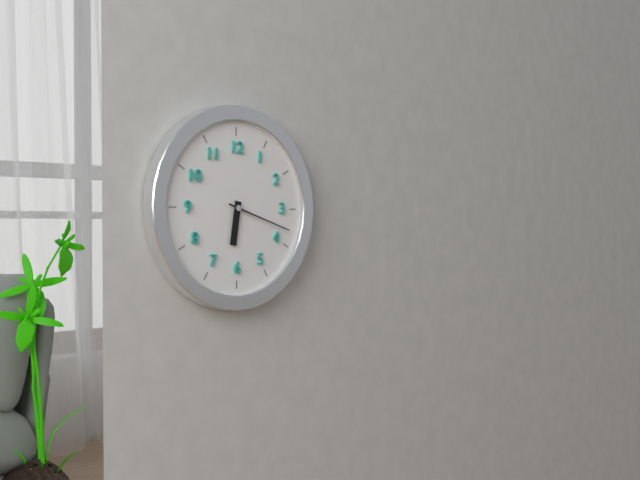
6.18
